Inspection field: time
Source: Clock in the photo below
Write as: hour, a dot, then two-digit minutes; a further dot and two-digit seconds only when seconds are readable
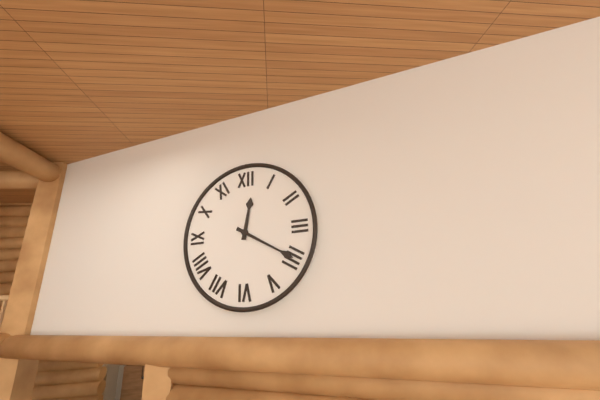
12.20
